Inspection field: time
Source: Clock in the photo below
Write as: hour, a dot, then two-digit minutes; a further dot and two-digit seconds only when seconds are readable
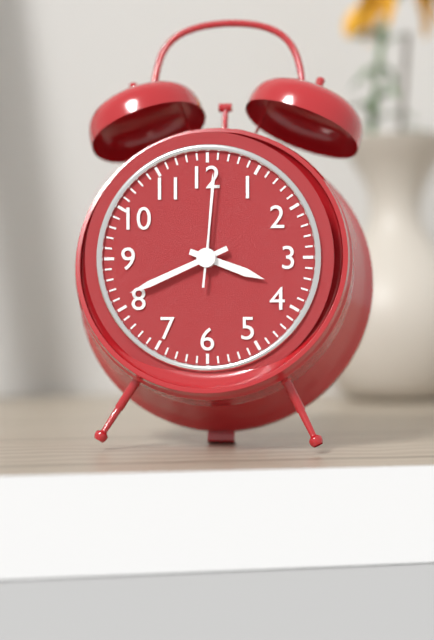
3.41.01
